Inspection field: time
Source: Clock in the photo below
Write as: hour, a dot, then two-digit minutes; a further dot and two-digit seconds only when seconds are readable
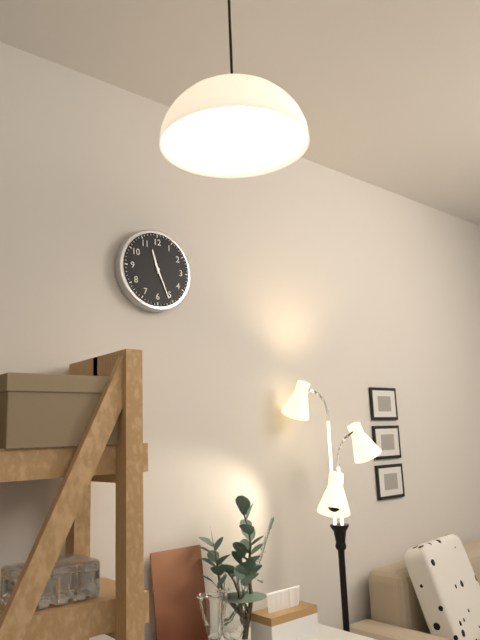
11.26
